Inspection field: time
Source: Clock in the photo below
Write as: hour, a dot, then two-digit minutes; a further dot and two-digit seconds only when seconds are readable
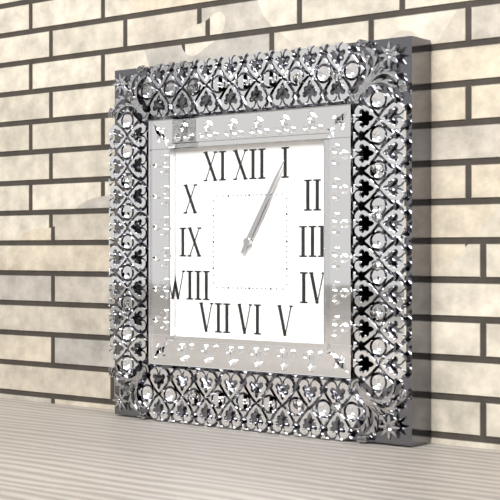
1.05
